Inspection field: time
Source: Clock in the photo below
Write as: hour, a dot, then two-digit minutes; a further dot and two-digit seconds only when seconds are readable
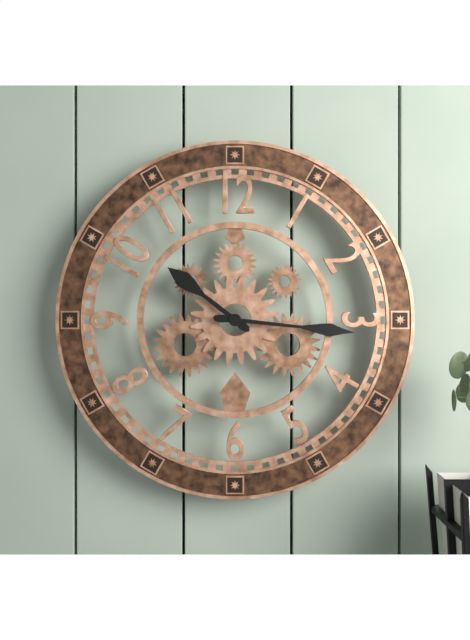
10.16
